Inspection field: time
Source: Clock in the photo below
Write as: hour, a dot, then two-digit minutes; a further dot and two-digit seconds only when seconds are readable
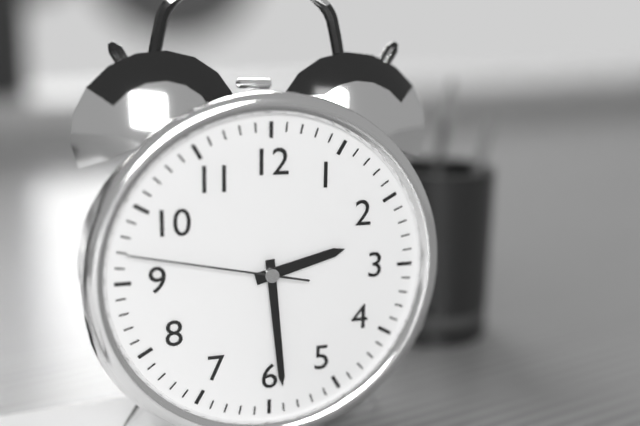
2.29.47
